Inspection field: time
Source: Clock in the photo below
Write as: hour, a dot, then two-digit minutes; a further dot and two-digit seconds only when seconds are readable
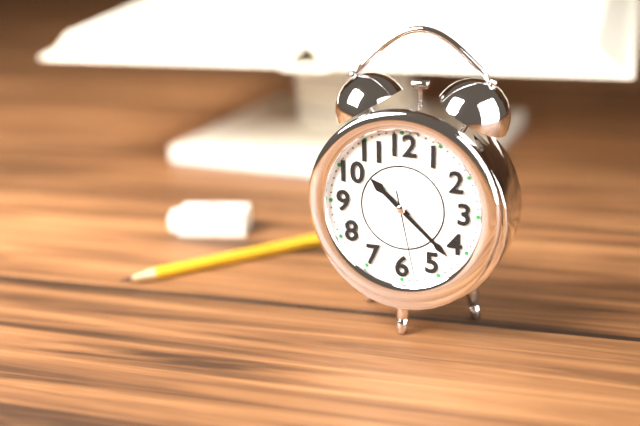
10.22.28
